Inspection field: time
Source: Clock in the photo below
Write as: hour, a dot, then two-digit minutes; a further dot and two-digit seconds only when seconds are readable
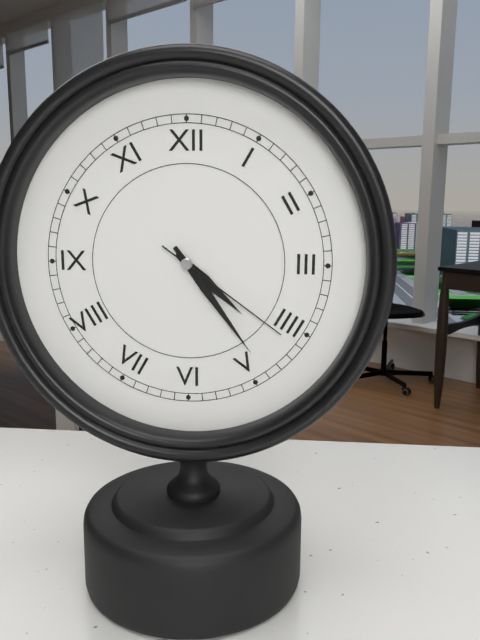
4.24.21
